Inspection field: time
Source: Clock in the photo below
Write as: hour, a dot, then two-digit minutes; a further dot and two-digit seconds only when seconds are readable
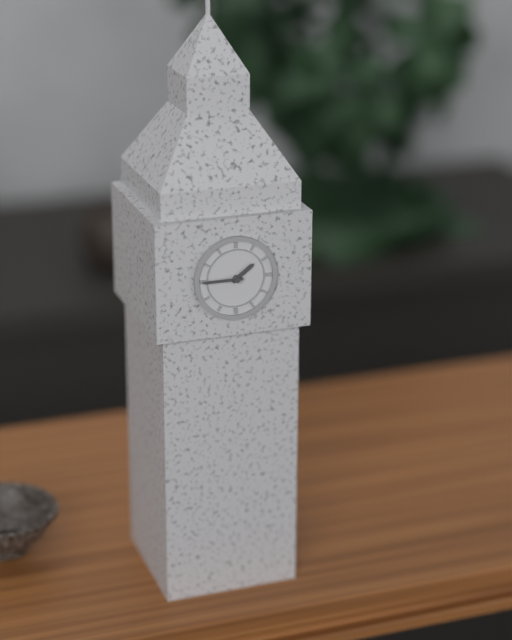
1.45
